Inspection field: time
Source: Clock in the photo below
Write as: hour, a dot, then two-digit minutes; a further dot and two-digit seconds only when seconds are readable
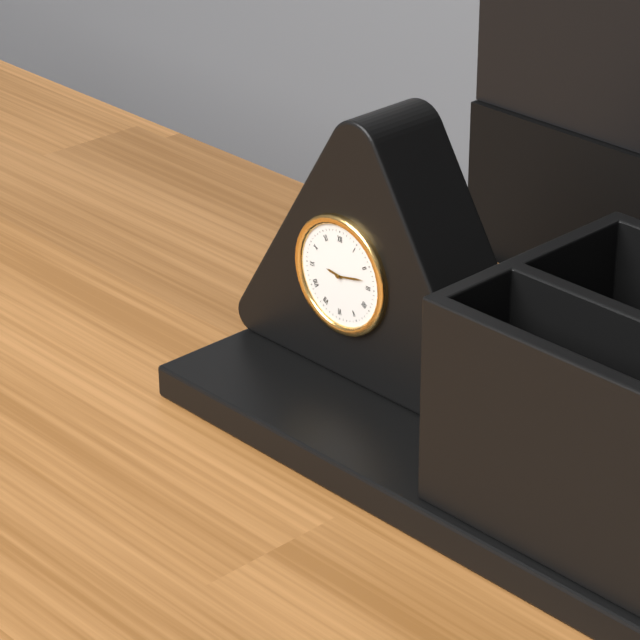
9.13
